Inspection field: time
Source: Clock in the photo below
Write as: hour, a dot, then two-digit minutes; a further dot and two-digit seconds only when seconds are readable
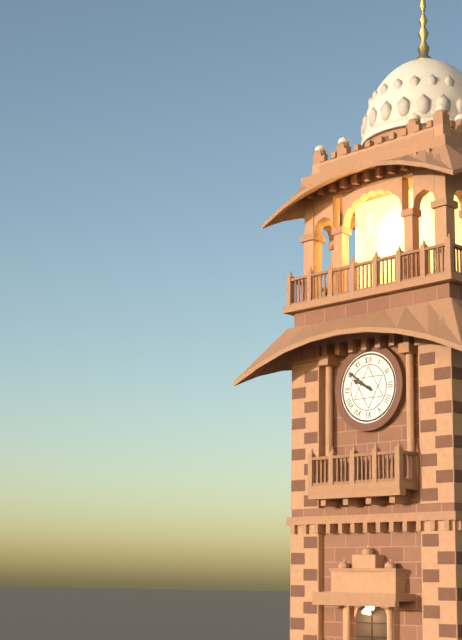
9.51
